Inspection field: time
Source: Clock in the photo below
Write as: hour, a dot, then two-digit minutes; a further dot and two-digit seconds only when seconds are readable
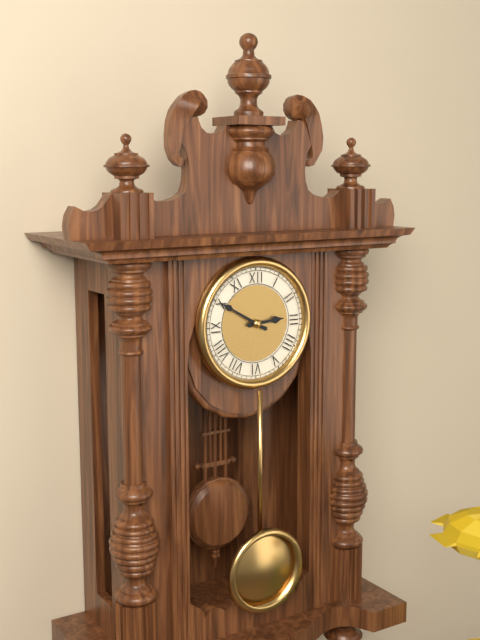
2.50
